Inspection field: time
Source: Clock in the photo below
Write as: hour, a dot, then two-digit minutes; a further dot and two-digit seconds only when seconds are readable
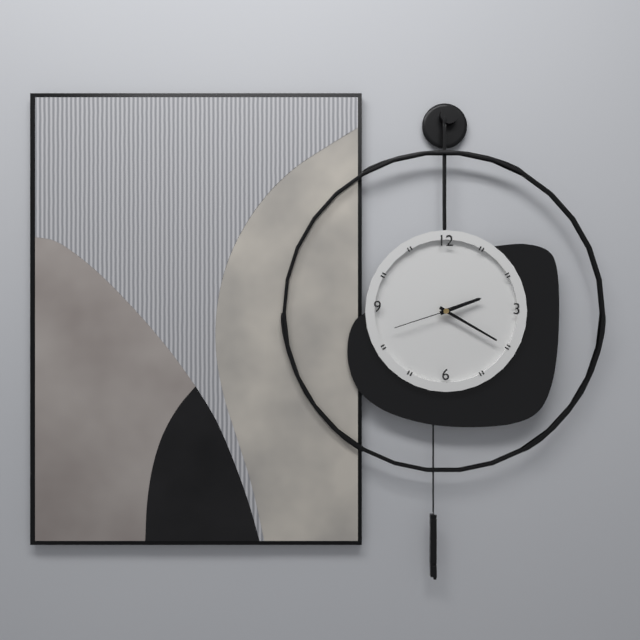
2.20.42
